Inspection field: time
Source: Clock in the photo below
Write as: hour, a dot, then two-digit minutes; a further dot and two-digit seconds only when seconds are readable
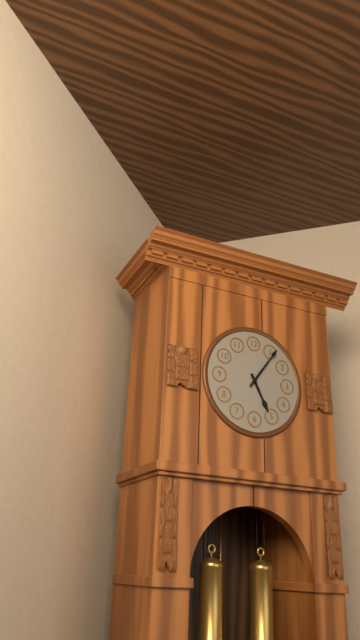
5.06
